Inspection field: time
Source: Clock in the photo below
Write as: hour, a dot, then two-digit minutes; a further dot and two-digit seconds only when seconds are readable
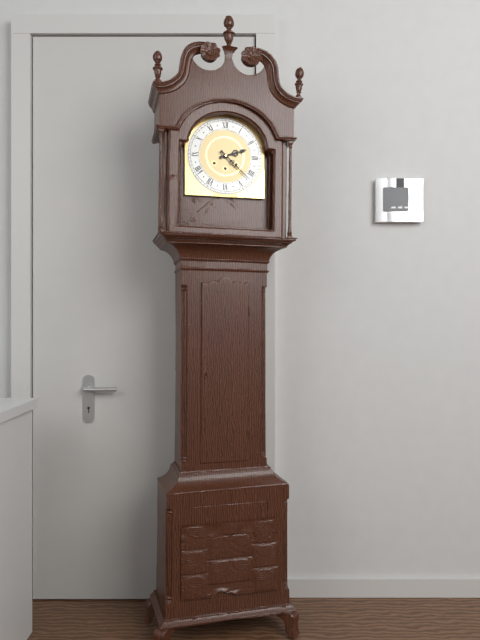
2.22
